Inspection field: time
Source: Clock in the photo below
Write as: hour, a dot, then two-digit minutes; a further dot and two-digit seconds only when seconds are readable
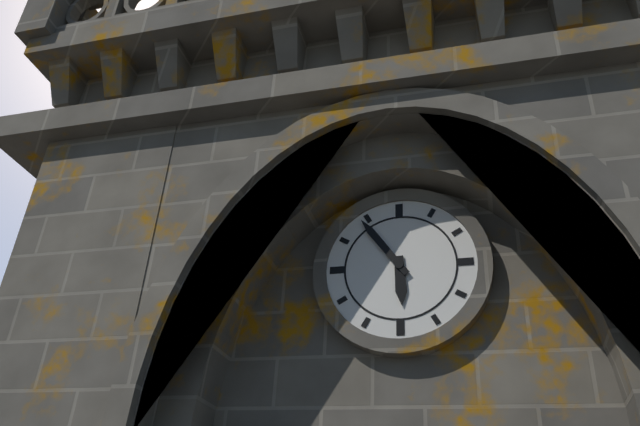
5.54
